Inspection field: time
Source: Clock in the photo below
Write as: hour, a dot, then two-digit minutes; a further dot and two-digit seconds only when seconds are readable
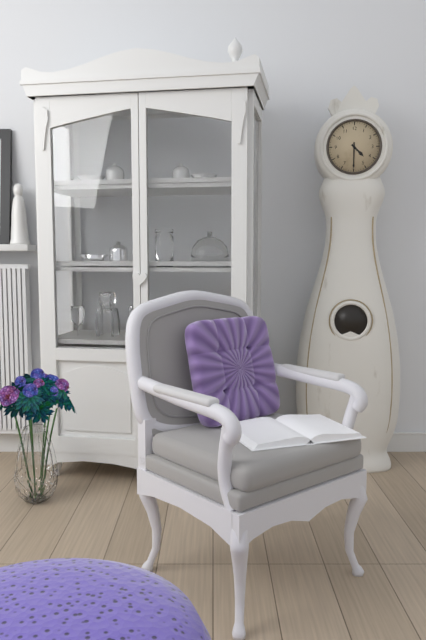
4.30
